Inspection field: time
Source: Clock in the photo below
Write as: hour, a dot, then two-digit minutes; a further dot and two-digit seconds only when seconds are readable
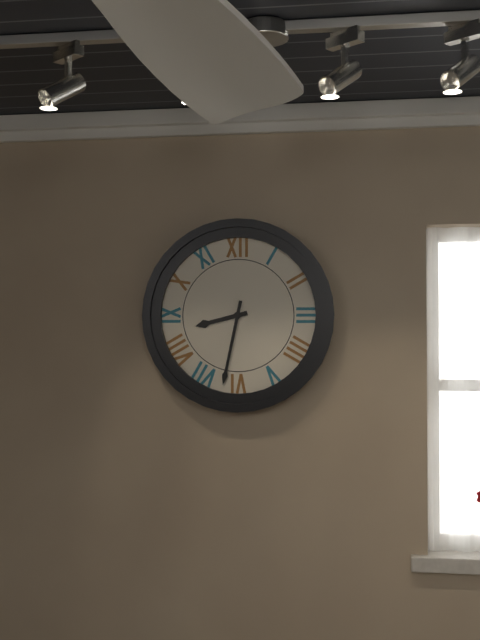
8.32
